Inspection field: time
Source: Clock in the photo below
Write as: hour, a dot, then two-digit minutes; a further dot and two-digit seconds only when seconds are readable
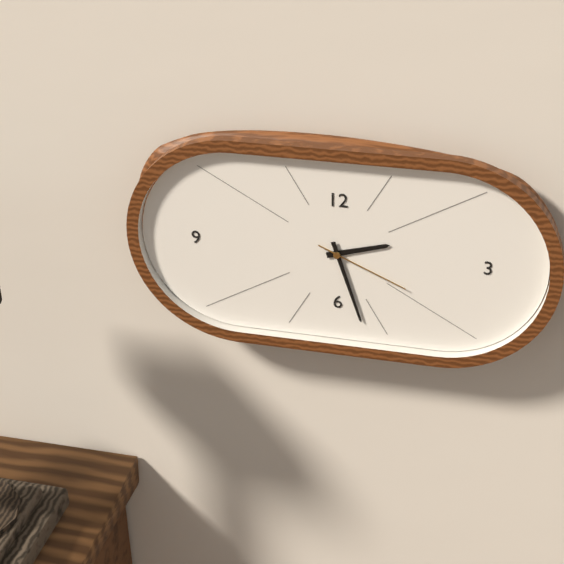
2.27.19
